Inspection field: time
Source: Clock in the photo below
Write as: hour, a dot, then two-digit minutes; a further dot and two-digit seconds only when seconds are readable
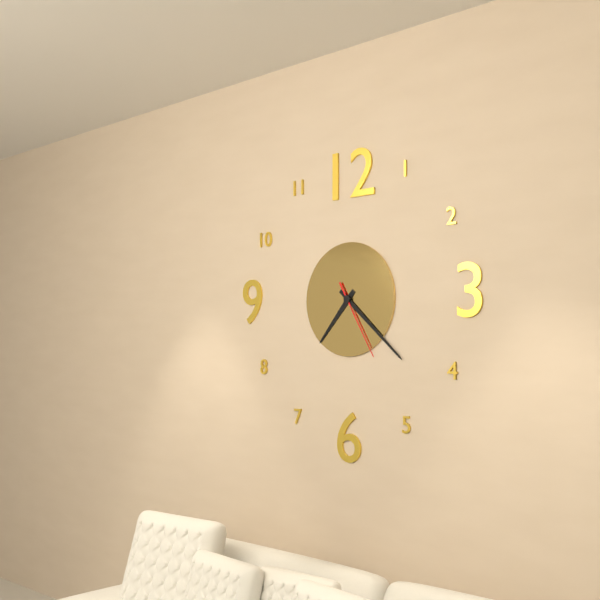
7.22.25
